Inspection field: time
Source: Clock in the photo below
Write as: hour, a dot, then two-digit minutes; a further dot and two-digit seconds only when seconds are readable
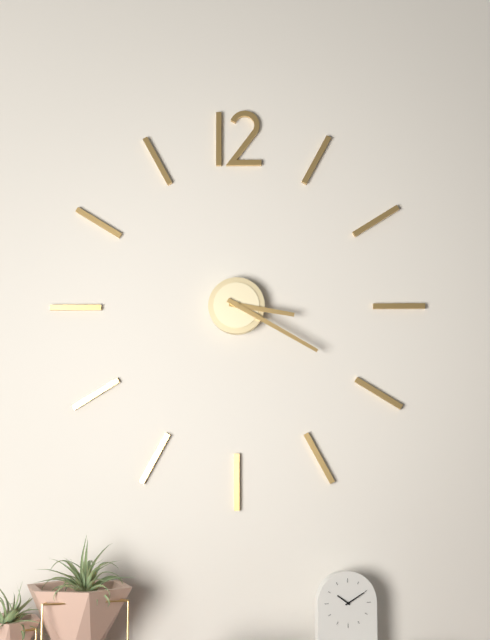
3.20
